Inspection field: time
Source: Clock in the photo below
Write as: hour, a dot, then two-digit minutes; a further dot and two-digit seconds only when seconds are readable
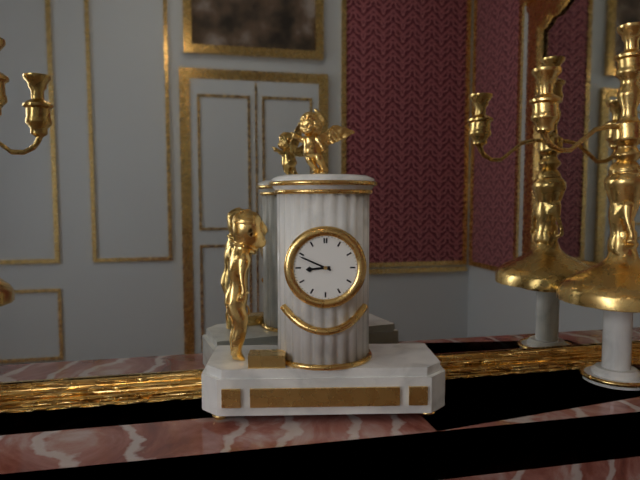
8.49
